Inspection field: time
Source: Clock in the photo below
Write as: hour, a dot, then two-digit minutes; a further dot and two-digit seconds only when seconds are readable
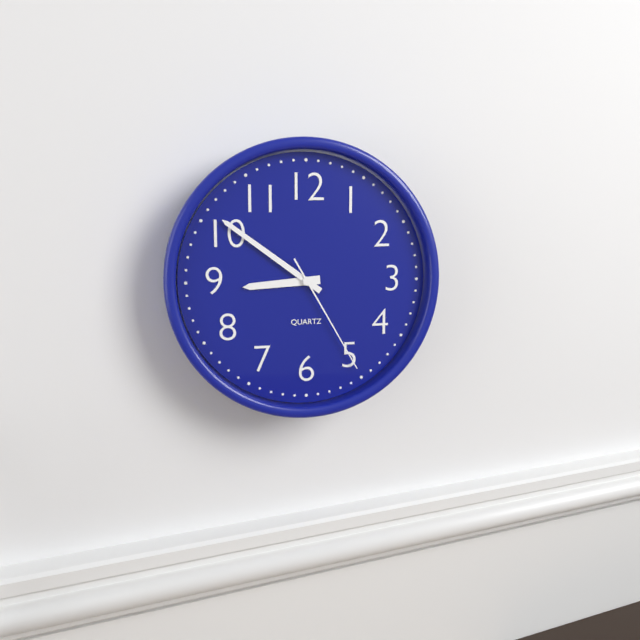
8.51.25
